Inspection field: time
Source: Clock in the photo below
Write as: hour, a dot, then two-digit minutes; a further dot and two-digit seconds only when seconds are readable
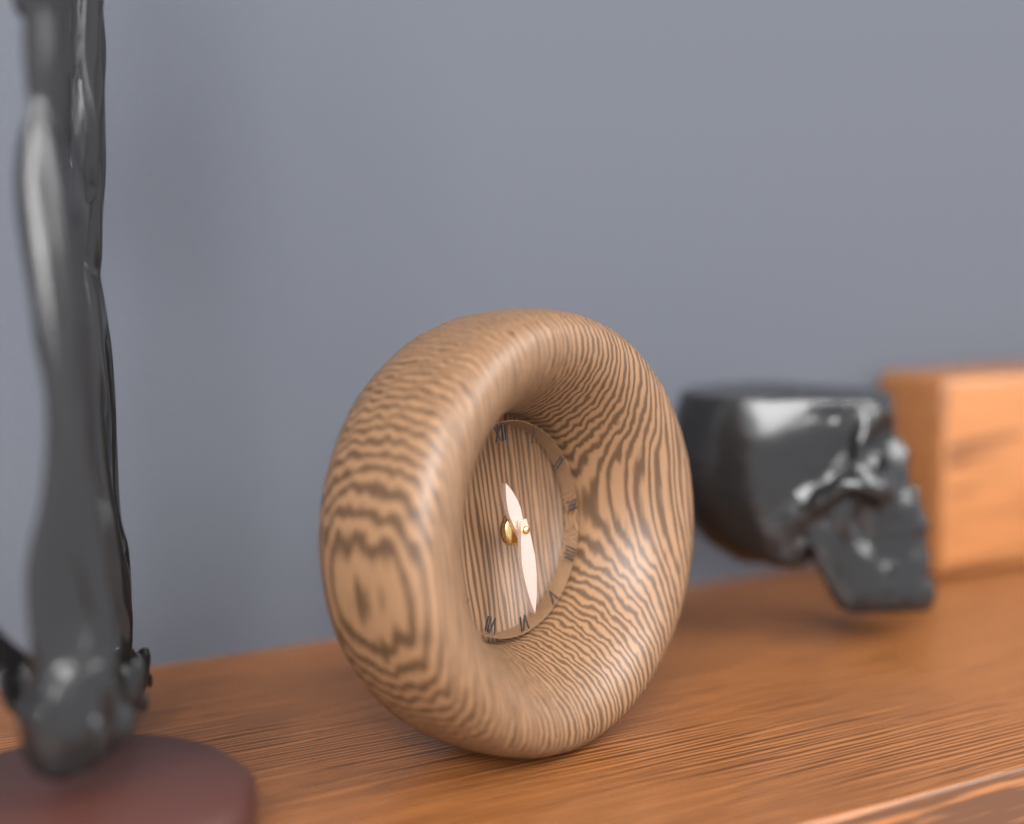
11.30
